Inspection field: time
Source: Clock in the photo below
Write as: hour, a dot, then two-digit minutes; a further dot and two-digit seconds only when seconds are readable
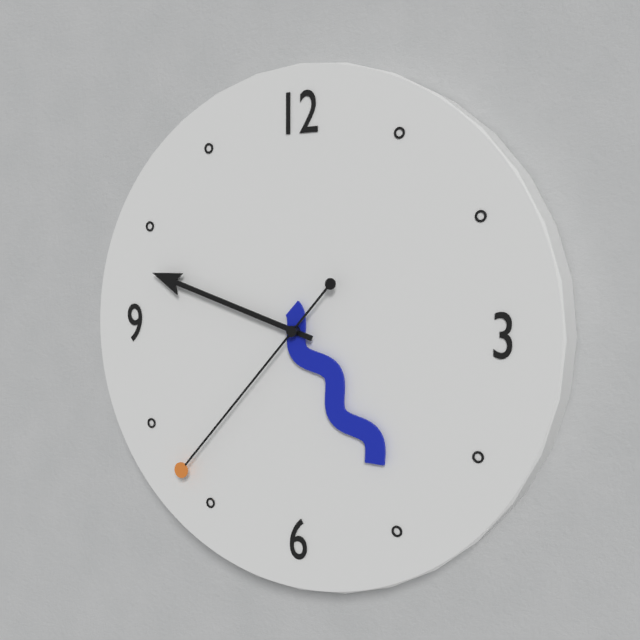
4.48.37
